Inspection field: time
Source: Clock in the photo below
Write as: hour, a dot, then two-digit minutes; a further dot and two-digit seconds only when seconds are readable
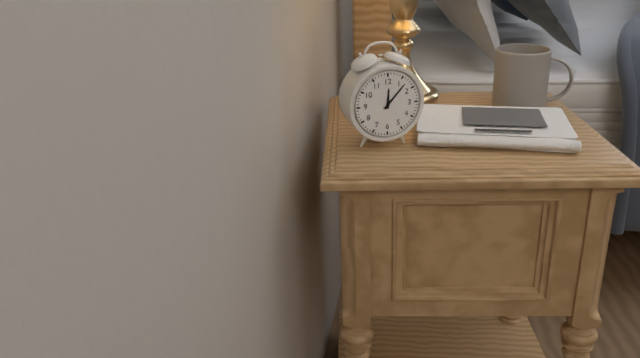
12.07
